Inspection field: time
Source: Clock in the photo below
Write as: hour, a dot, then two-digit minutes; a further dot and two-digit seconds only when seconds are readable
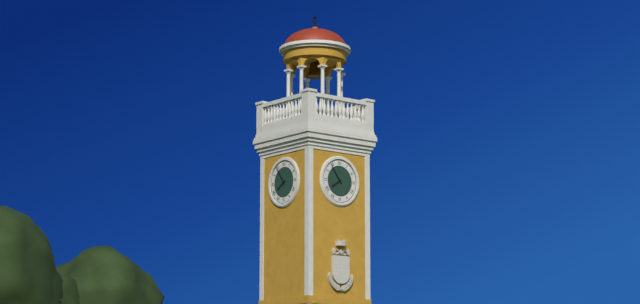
7.54
